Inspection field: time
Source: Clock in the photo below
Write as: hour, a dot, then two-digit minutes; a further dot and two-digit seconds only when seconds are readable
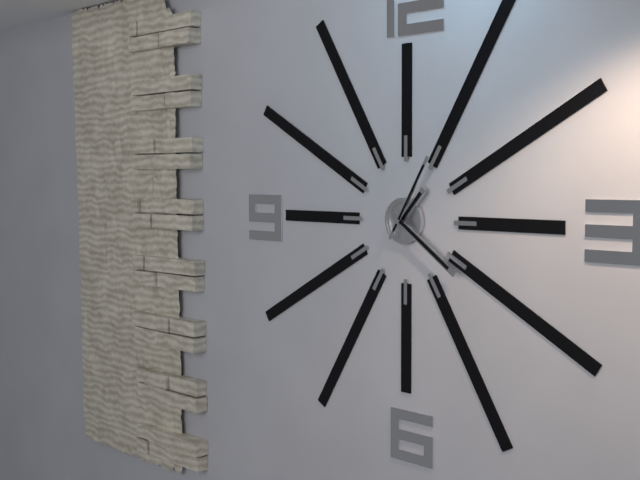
1.21.05
